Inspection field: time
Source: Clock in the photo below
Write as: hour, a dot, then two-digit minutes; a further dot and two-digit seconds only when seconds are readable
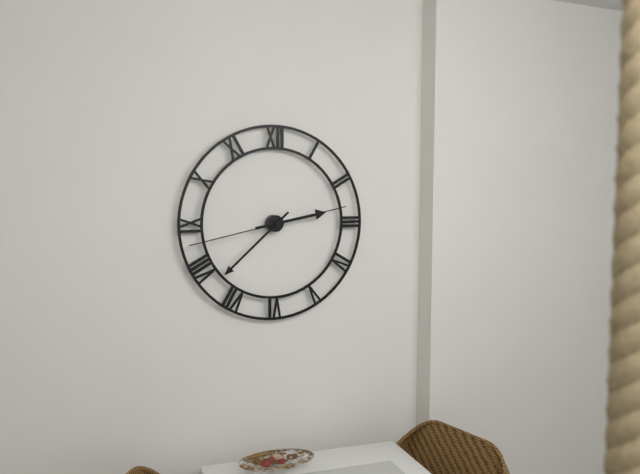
2.38.43
